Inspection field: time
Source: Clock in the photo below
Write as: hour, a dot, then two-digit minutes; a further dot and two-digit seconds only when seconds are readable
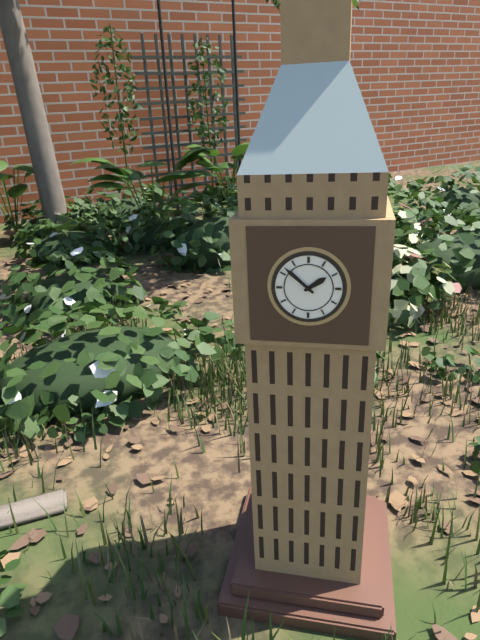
1.52
